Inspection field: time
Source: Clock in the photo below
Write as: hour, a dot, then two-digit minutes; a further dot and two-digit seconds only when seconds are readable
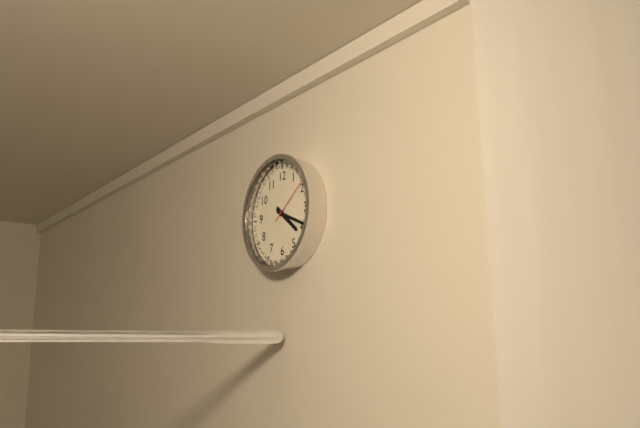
4.19.09
